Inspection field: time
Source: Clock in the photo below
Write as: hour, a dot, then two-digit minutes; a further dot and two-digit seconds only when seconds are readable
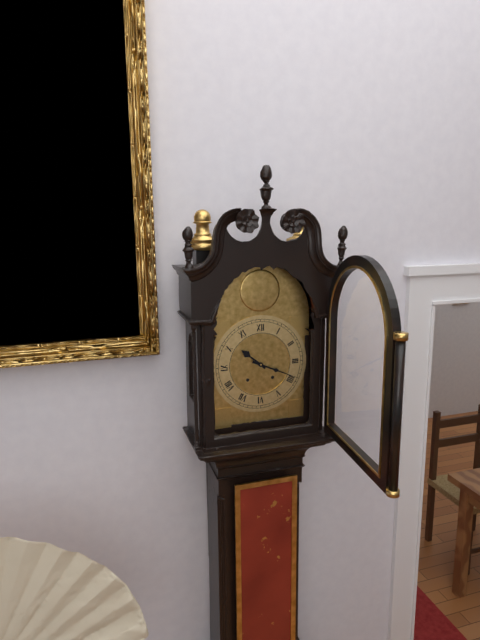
10.19
